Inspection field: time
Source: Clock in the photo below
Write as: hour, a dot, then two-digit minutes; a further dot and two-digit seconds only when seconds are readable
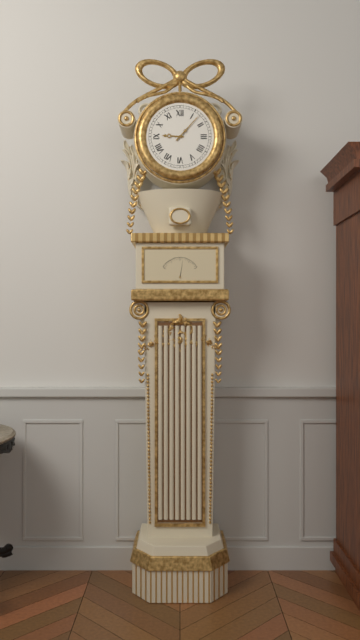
9.07
